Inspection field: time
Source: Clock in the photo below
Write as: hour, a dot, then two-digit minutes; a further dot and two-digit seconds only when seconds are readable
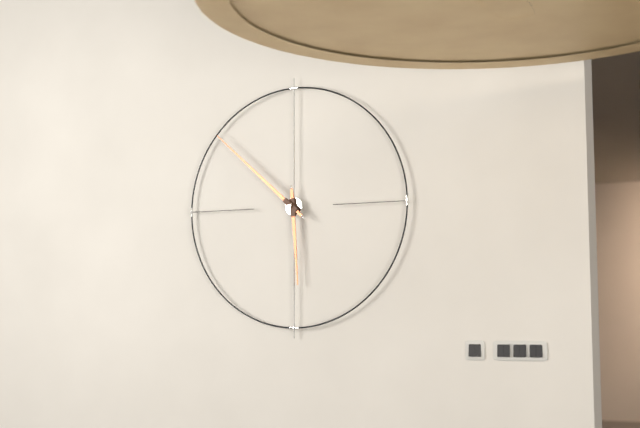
5.52
